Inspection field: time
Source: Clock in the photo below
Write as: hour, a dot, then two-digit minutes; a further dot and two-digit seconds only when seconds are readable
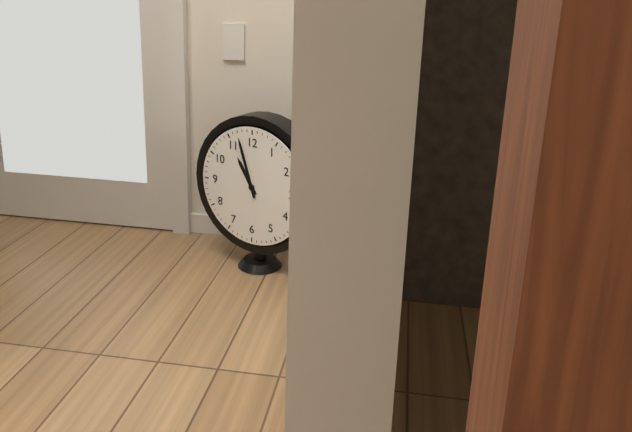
10.57
